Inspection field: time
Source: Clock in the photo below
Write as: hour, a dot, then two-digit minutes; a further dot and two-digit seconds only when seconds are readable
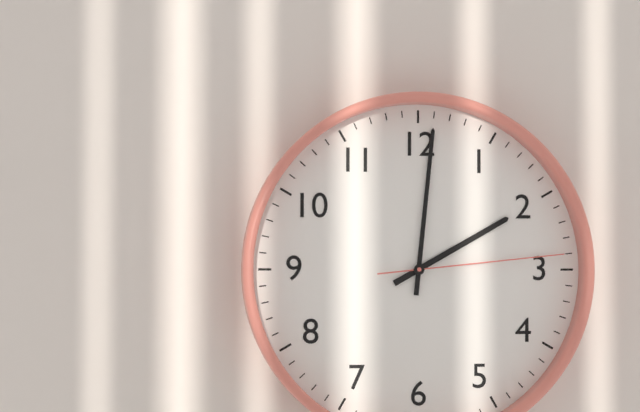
2.01.14
